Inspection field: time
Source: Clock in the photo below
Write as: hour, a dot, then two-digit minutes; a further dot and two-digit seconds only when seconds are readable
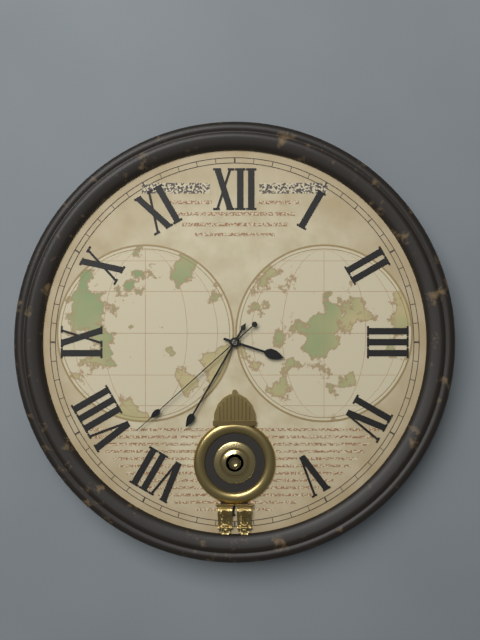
3.35.38
